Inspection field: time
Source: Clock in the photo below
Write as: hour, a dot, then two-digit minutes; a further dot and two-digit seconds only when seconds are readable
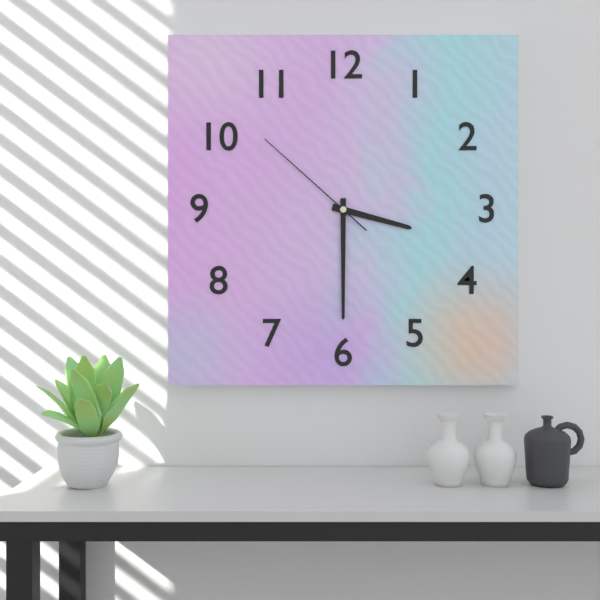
3.30.52
